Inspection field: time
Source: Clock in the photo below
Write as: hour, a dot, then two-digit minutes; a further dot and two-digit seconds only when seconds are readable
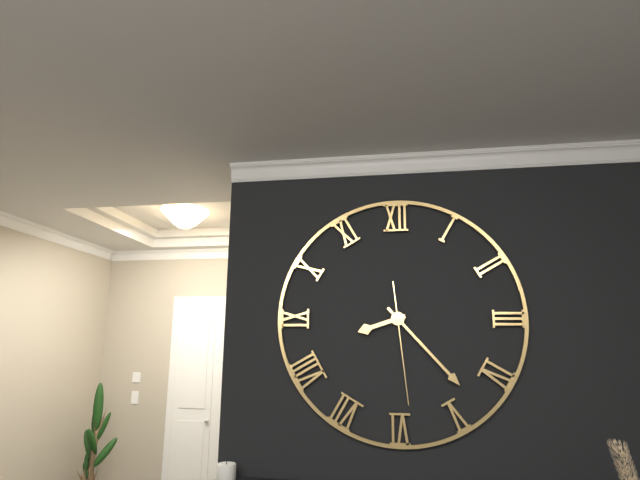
8.23.29
